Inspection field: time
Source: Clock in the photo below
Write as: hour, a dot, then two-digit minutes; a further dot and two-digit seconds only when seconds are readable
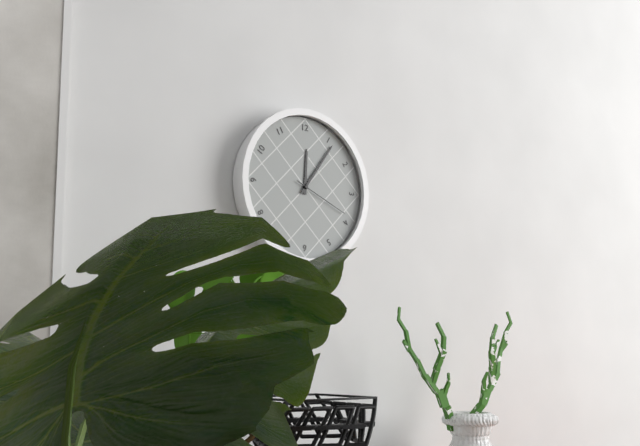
12.06.19
